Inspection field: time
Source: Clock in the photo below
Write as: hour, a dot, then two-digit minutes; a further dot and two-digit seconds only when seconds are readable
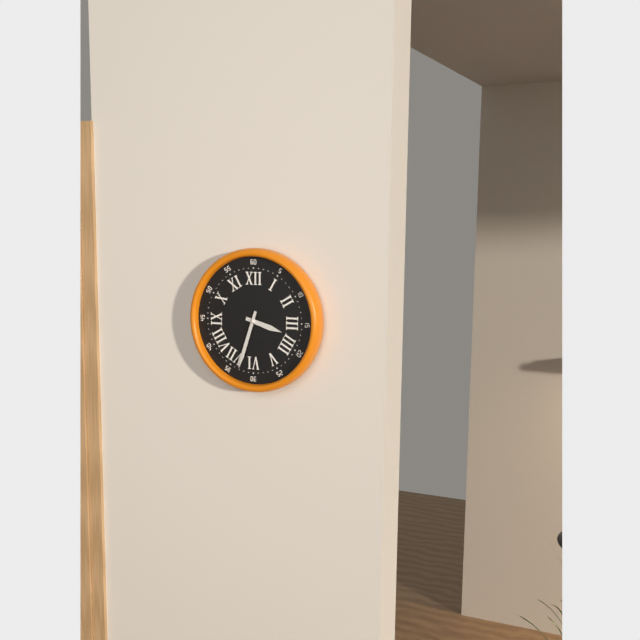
3.33
